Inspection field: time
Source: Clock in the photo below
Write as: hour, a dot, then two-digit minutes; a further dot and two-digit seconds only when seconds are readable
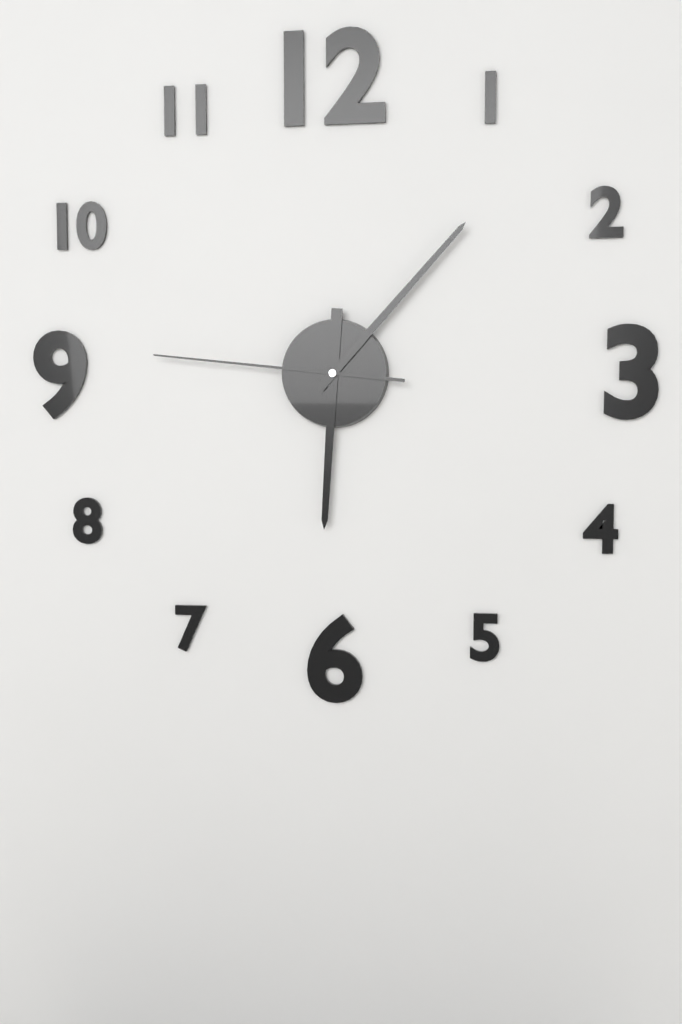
6.07.46
